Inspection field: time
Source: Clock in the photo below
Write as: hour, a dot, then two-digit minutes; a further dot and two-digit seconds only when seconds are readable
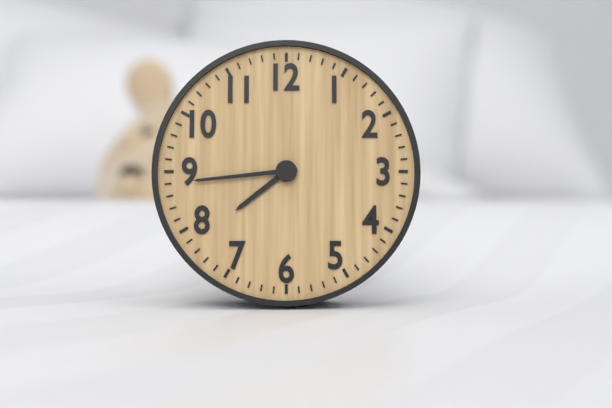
7.44
